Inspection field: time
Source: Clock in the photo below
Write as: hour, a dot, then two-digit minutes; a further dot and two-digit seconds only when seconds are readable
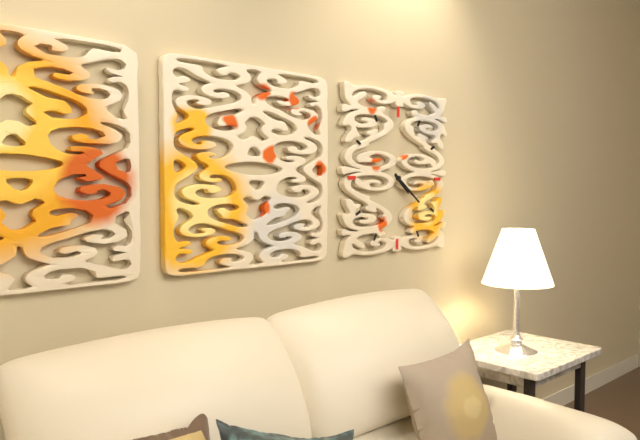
4.21
